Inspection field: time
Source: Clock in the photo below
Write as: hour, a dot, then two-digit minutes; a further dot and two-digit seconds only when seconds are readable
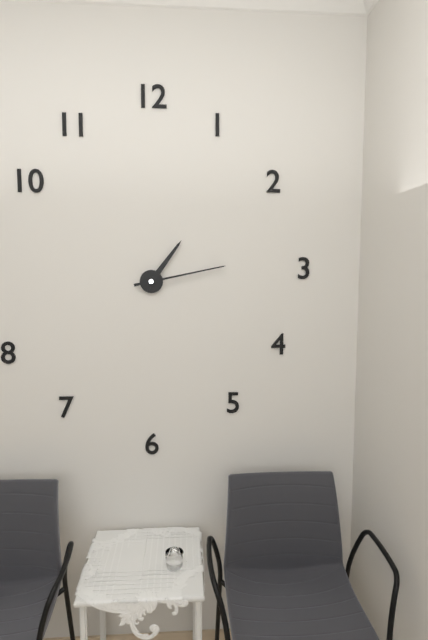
1.13
